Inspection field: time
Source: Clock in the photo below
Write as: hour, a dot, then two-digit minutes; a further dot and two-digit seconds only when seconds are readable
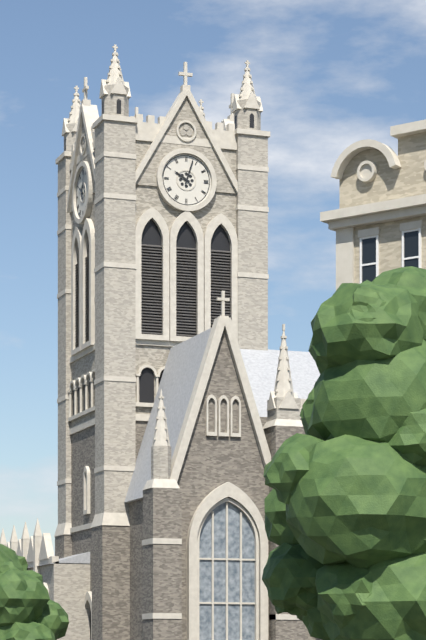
10.03
